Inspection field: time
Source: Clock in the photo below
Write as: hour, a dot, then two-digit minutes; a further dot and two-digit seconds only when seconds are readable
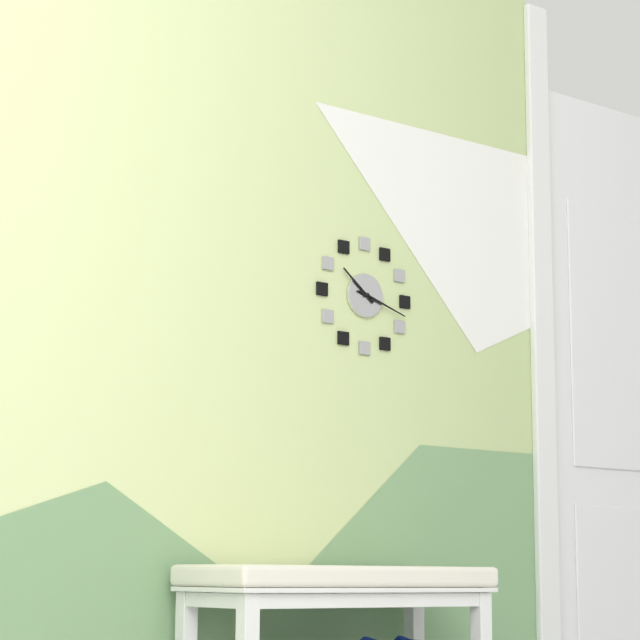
10.18
